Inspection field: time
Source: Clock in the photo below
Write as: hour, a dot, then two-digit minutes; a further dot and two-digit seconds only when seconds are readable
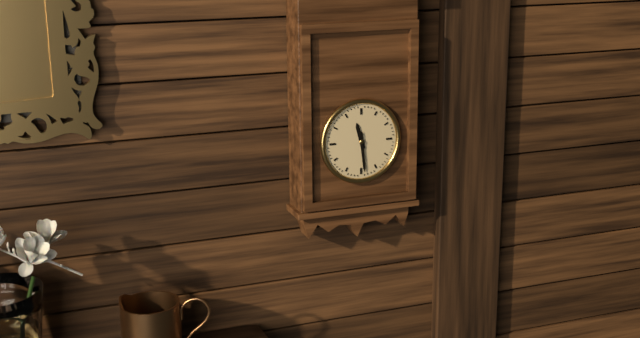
11.29
